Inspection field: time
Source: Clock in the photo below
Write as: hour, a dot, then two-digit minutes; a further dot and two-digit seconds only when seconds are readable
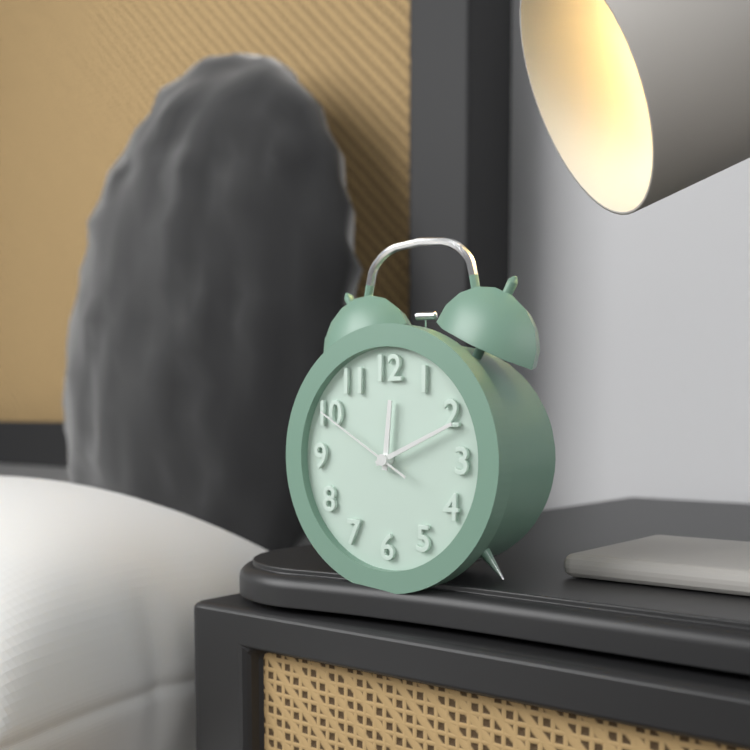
12.11.50
